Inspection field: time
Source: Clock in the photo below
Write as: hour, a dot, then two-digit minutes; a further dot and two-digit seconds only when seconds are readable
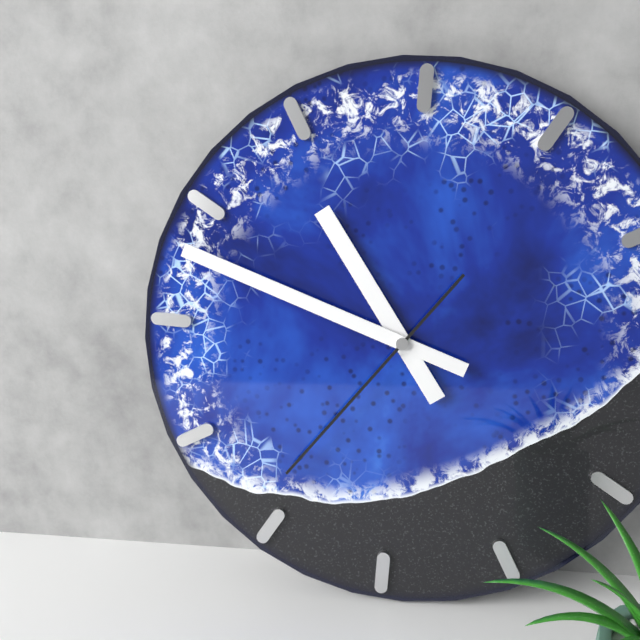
10.48.36
